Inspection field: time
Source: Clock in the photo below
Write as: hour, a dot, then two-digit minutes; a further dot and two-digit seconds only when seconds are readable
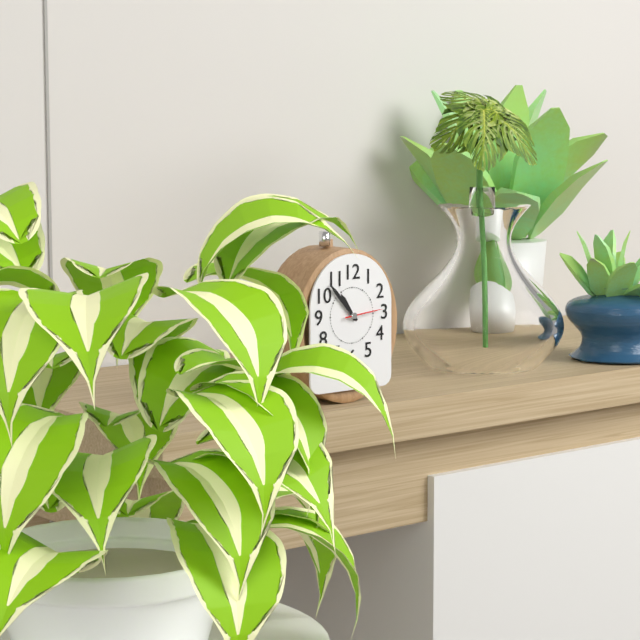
10.53
